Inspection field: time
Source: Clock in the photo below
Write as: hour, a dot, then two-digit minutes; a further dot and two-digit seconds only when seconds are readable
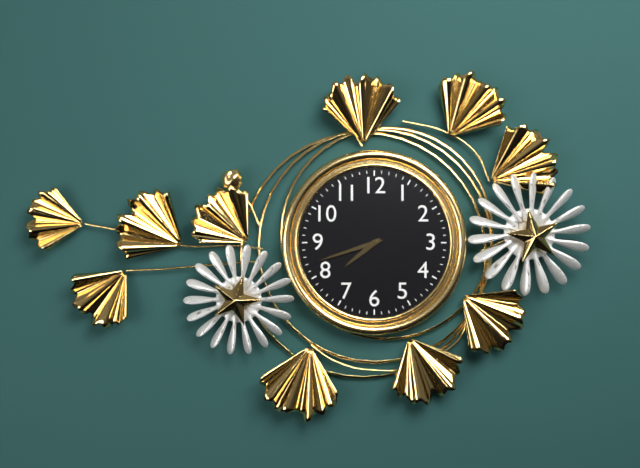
7.42
